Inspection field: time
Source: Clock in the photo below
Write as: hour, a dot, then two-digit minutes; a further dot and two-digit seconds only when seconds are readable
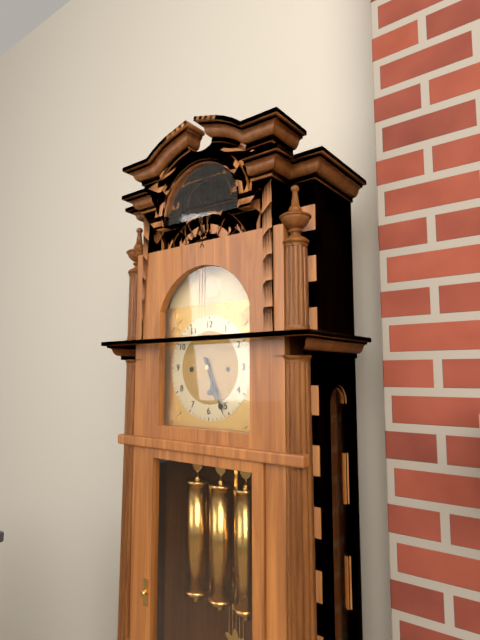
5.26
